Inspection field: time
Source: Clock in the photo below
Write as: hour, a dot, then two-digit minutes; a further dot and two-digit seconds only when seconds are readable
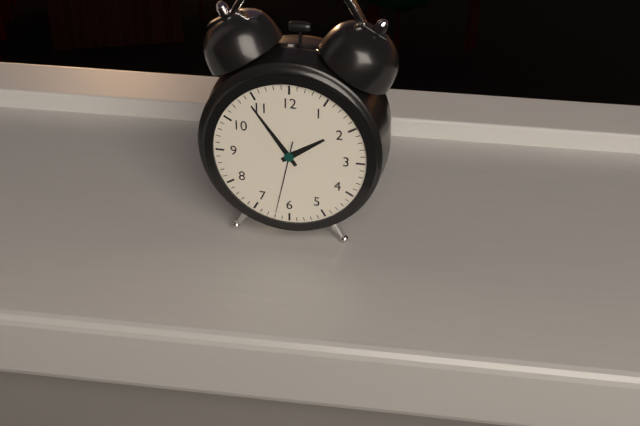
1.54.32
